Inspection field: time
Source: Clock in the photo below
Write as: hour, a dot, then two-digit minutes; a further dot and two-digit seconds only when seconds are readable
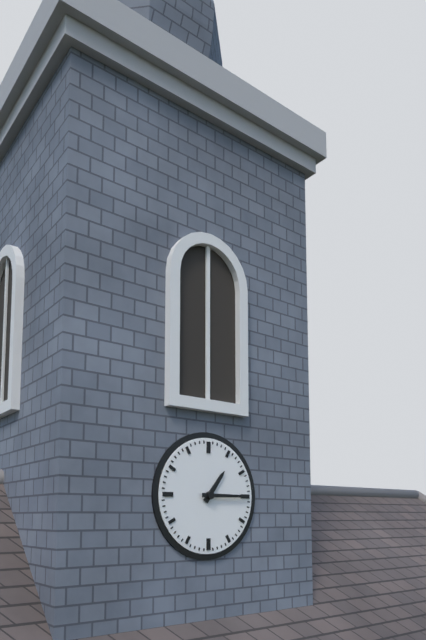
1.15
